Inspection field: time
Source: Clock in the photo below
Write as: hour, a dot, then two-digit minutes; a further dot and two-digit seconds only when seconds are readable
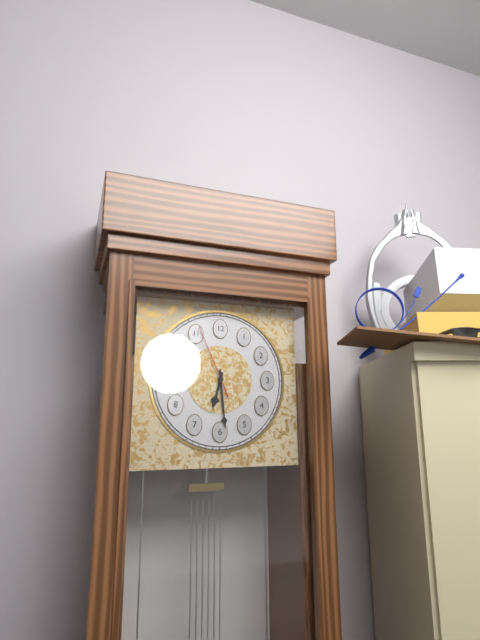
6.29.56
